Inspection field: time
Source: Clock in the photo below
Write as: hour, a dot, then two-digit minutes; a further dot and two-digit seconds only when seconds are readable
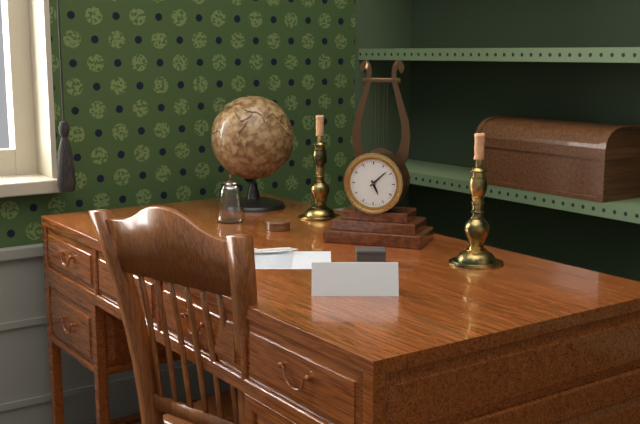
5.08
